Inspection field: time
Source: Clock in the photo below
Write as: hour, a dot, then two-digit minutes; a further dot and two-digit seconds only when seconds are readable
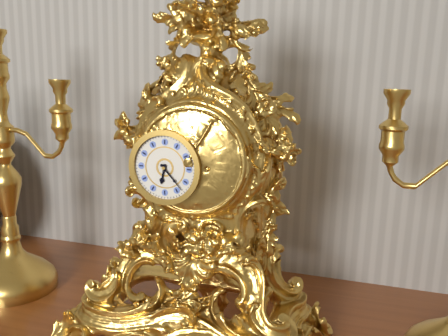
6.23
